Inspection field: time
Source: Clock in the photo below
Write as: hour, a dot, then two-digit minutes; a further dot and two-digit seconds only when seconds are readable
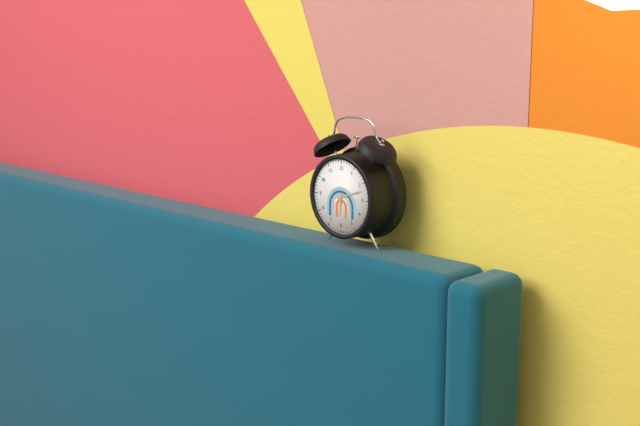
6.12
